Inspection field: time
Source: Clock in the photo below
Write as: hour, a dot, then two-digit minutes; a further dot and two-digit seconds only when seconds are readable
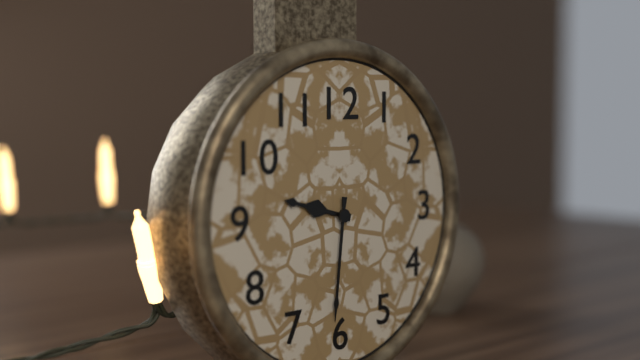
9.31
